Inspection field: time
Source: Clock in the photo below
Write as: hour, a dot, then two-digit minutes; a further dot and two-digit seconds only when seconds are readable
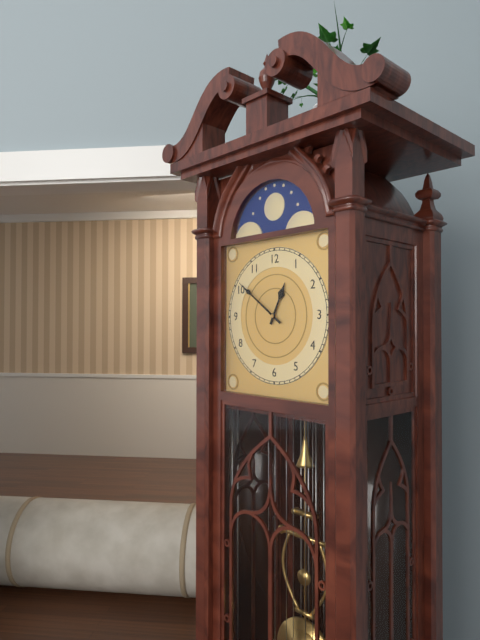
12.51
